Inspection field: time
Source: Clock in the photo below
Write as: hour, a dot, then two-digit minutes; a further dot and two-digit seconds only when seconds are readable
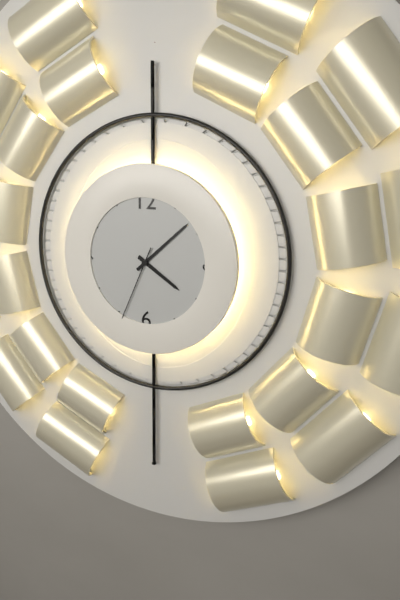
4.08.34
